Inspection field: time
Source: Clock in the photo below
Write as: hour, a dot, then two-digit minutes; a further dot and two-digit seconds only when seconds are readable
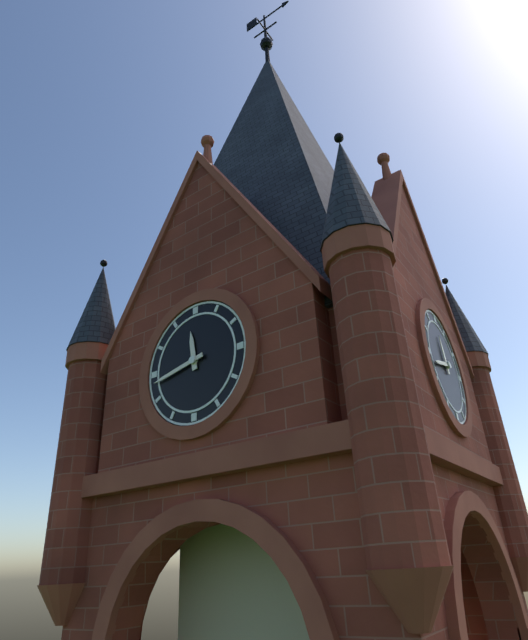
11.43
